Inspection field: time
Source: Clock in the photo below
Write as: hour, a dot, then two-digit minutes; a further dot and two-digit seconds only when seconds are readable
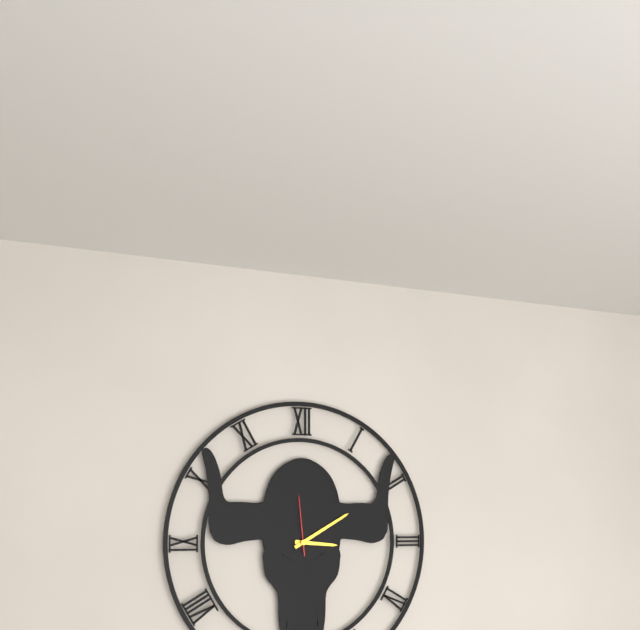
3.10.59
